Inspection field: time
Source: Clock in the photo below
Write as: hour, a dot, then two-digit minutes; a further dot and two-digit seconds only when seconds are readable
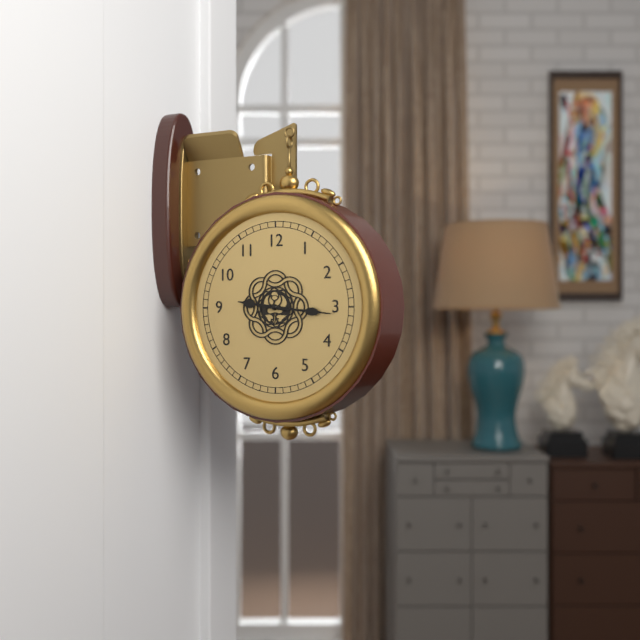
9.16
